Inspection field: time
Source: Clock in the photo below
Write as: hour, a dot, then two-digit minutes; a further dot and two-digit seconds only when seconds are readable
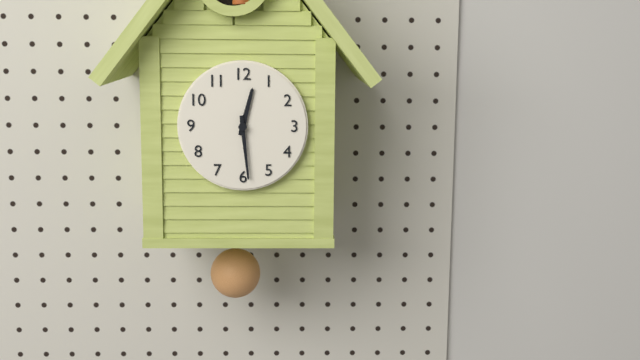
12.29
